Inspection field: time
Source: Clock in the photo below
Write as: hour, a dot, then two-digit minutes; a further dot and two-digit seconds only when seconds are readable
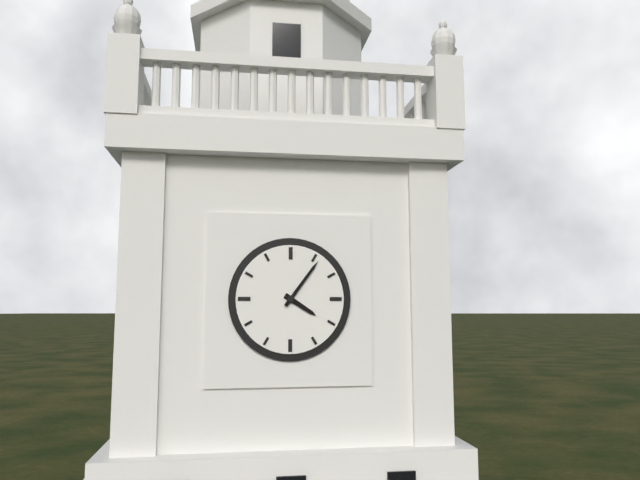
4.06
